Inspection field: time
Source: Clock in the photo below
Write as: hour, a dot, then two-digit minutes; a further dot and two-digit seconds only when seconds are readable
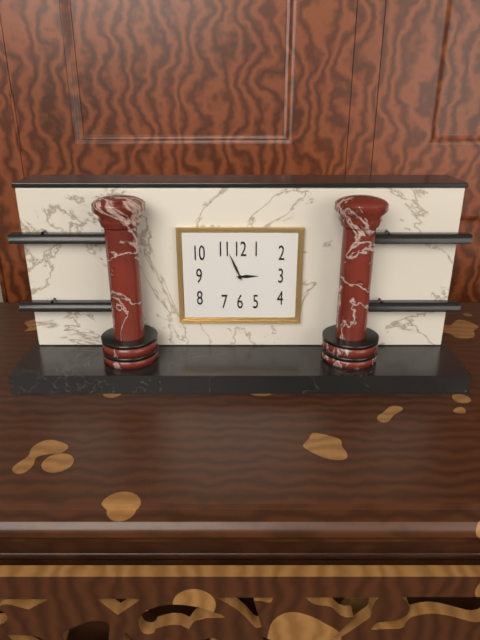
2.56
